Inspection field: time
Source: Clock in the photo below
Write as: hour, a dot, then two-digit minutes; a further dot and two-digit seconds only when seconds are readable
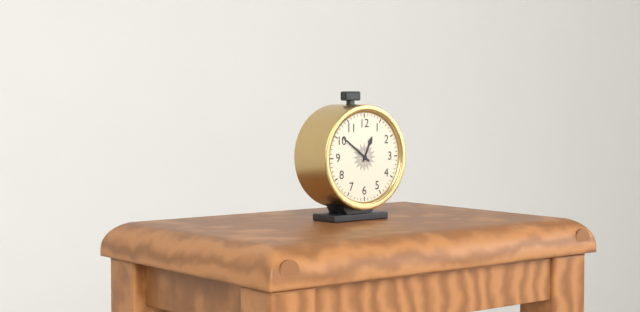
12.51
